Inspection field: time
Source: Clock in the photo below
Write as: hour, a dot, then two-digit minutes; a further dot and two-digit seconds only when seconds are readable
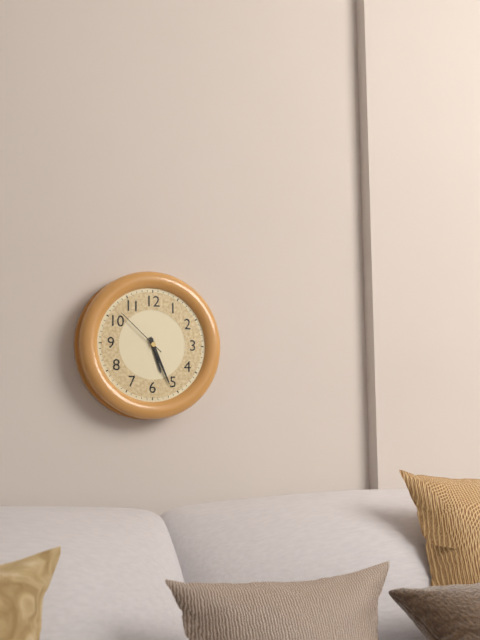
5.26.52
